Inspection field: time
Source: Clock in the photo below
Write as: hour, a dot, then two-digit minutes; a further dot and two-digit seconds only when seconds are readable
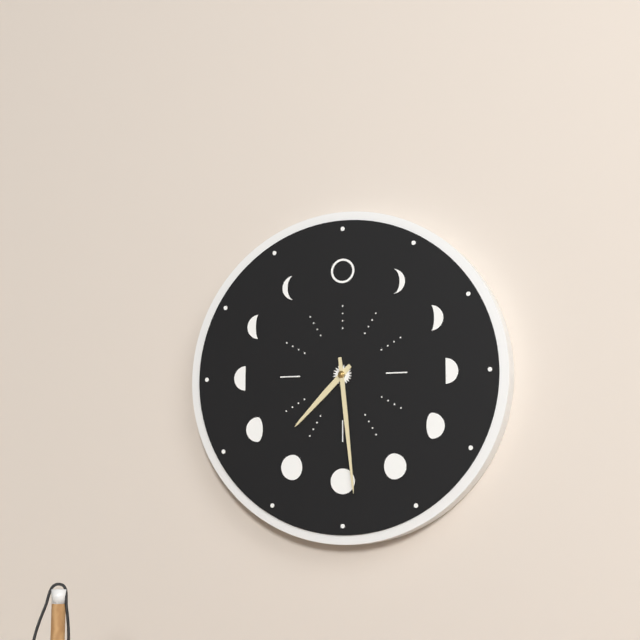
7.29
